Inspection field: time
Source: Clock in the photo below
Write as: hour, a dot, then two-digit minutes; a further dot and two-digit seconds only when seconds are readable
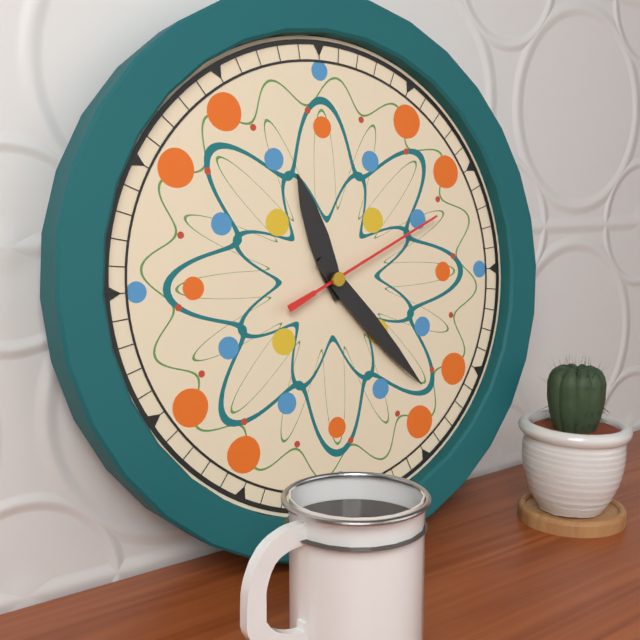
11.23.11
